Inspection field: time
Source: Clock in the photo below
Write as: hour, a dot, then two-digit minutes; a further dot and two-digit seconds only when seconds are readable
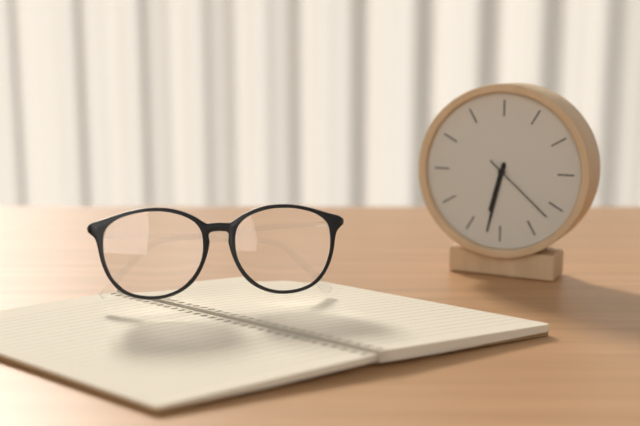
6.32.22
